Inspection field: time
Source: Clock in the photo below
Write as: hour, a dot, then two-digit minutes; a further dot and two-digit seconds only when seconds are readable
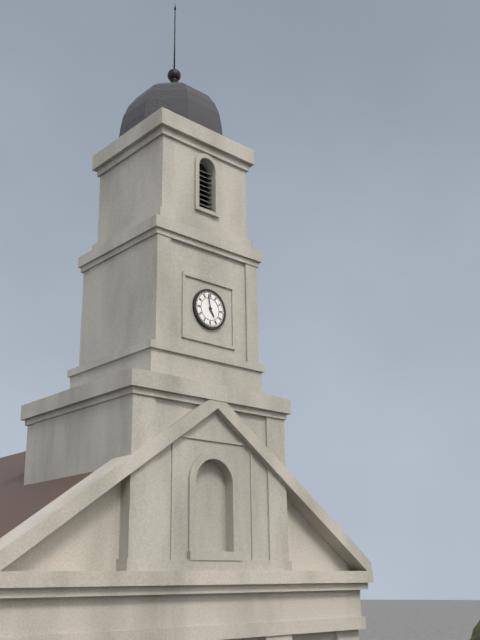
4.58
